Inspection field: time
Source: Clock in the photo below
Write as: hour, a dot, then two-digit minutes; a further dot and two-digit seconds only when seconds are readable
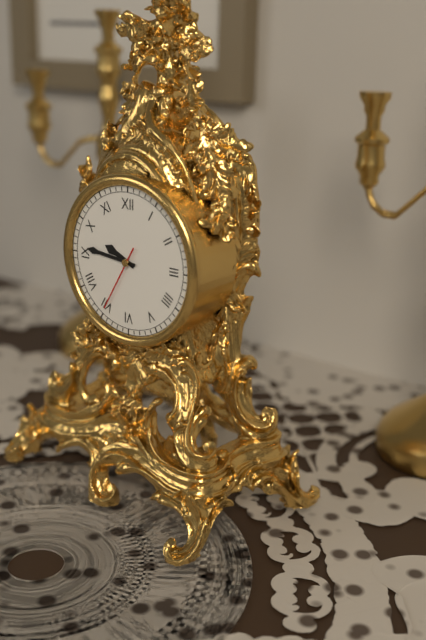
9.46.35
